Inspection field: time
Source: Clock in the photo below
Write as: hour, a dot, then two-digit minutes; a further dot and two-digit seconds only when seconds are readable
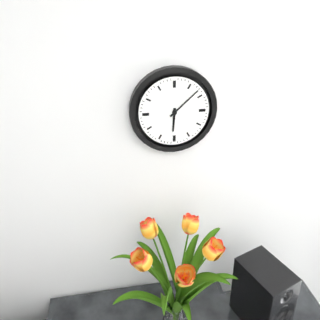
6.08
